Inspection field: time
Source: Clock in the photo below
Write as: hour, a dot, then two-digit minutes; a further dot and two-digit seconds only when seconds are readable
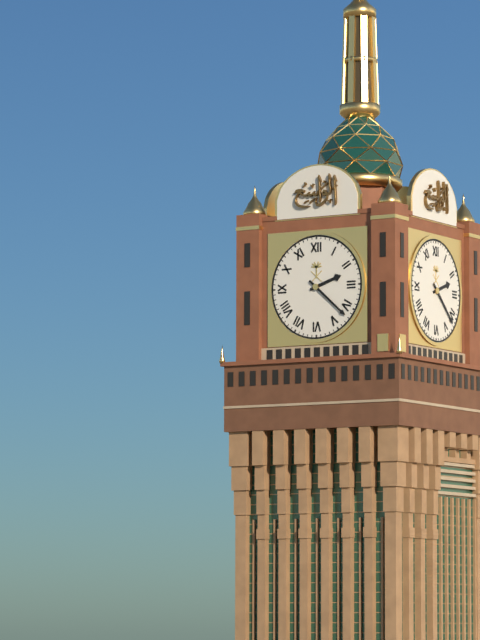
2.22
